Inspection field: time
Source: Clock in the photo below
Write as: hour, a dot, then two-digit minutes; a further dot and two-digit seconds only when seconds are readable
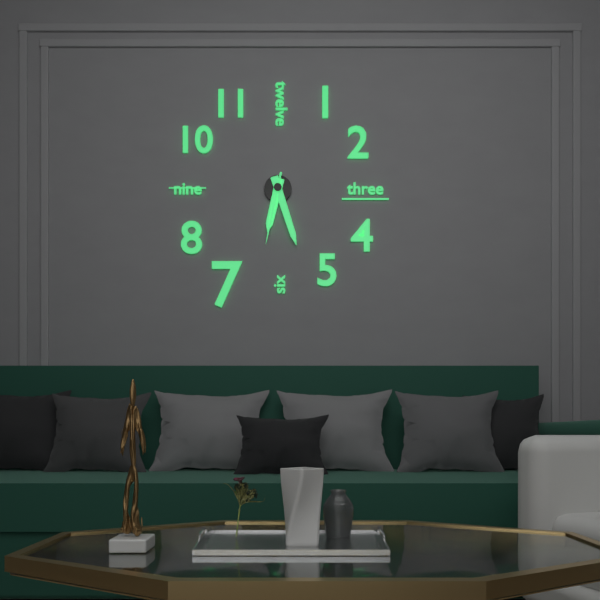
6.27.32
